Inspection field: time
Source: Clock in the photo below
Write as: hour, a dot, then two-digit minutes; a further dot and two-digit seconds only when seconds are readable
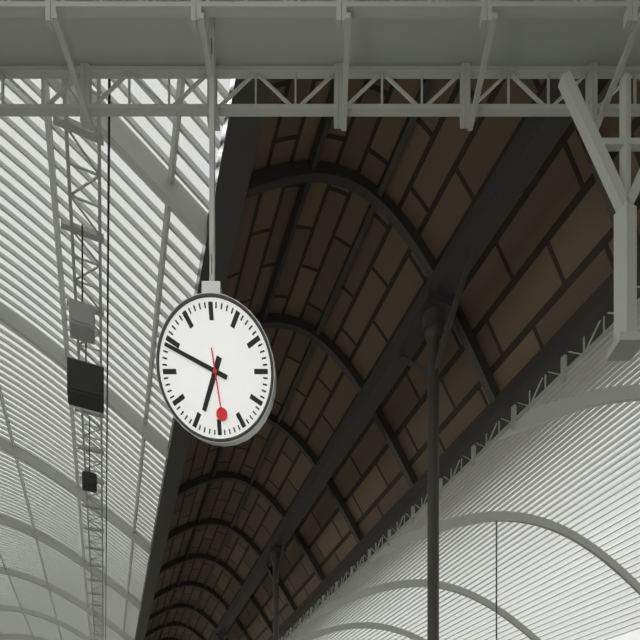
6.49.29
